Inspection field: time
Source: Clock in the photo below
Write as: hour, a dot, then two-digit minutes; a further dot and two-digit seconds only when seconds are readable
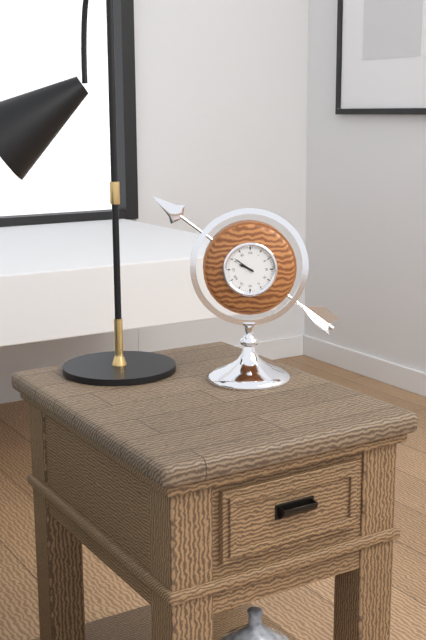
9.51
